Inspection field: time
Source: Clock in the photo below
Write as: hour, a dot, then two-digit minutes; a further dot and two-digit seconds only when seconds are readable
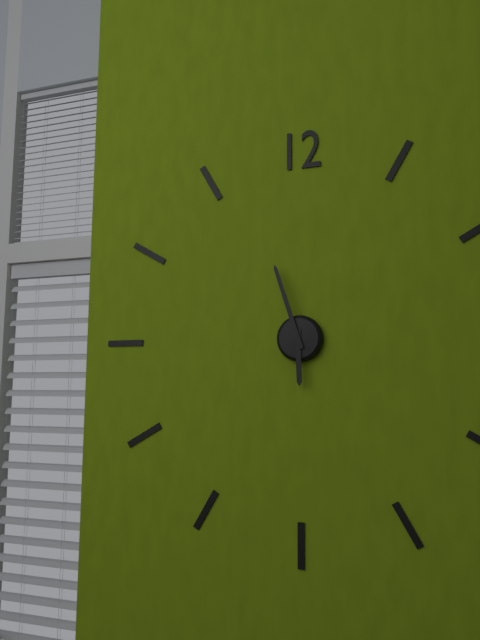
5.57
